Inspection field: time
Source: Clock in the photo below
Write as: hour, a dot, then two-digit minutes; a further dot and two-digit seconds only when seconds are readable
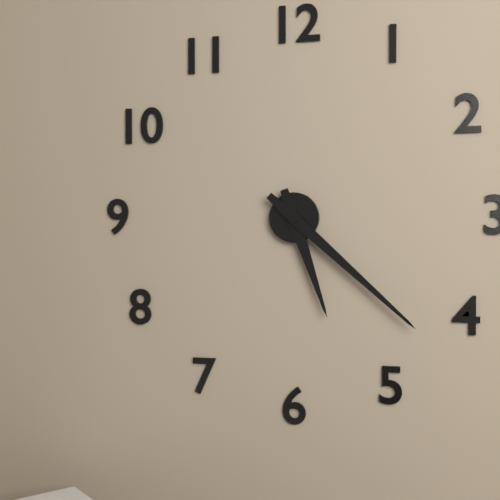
5.22
